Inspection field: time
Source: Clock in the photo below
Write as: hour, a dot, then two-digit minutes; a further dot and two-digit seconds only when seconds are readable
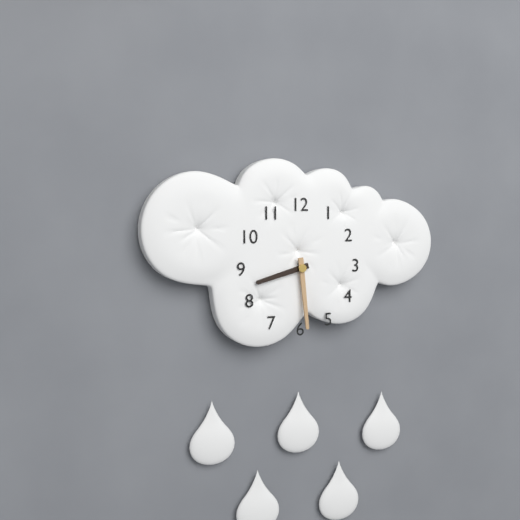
8.29
